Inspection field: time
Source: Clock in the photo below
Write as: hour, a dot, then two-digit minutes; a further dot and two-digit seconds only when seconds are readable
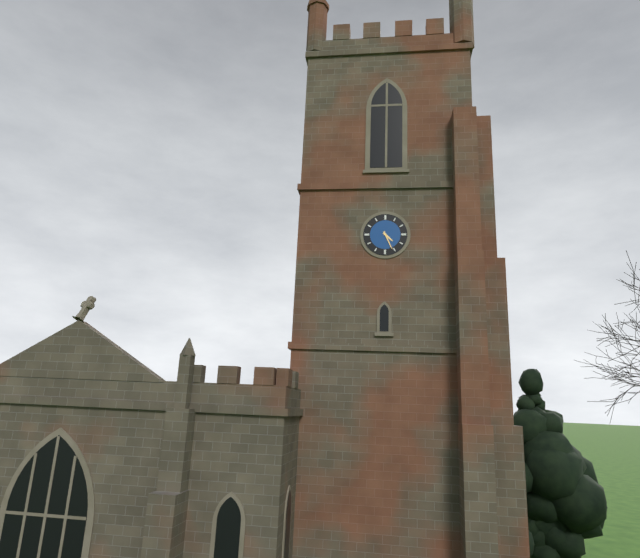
4.26
